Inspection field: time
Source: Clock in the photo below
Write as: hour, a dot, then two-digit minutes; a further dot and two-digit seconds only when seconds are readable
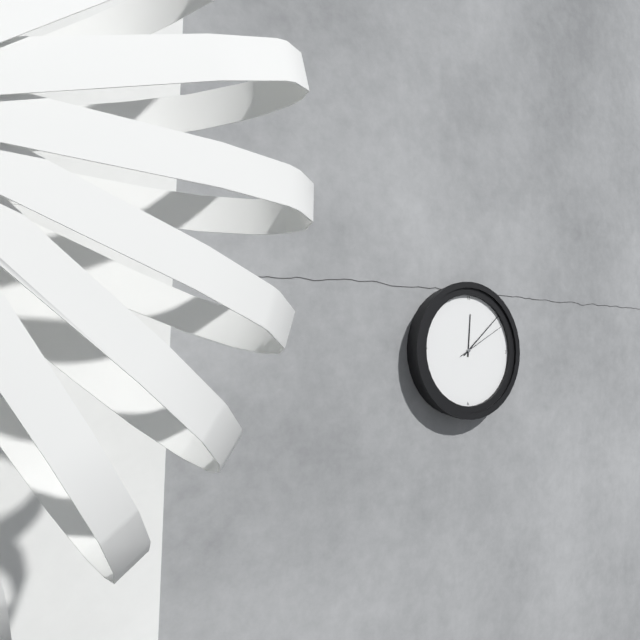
12.08.10
